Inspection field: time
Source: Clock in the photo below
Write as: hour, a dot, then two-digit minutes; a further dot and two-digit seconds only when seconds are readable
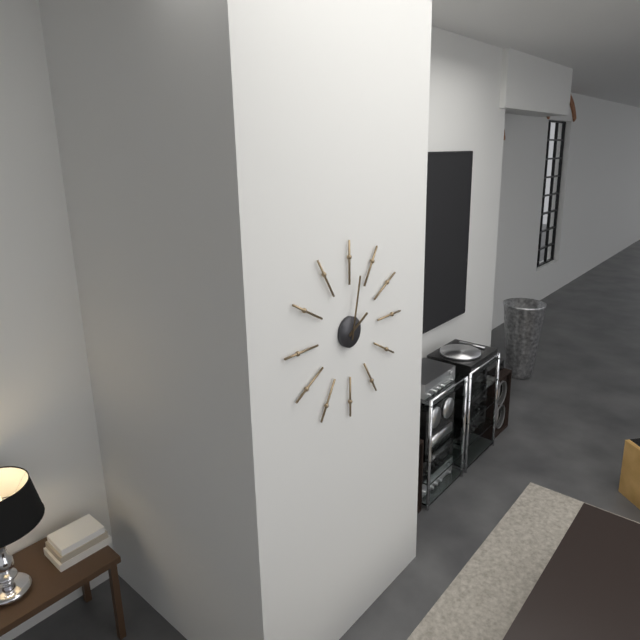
2.02
